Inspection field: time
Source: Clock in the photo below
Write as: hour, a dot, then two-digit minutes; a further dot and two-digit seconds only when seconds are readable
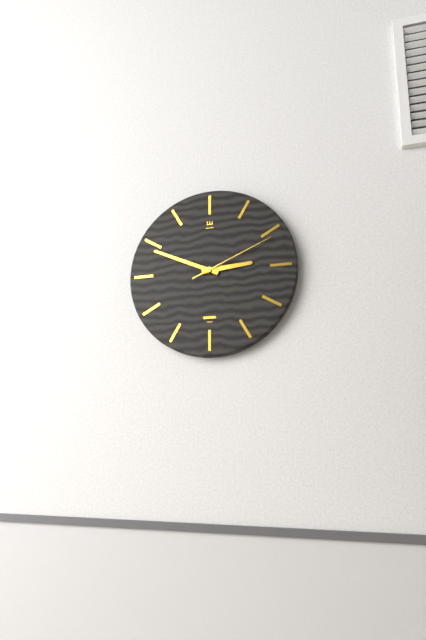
2.49.11
